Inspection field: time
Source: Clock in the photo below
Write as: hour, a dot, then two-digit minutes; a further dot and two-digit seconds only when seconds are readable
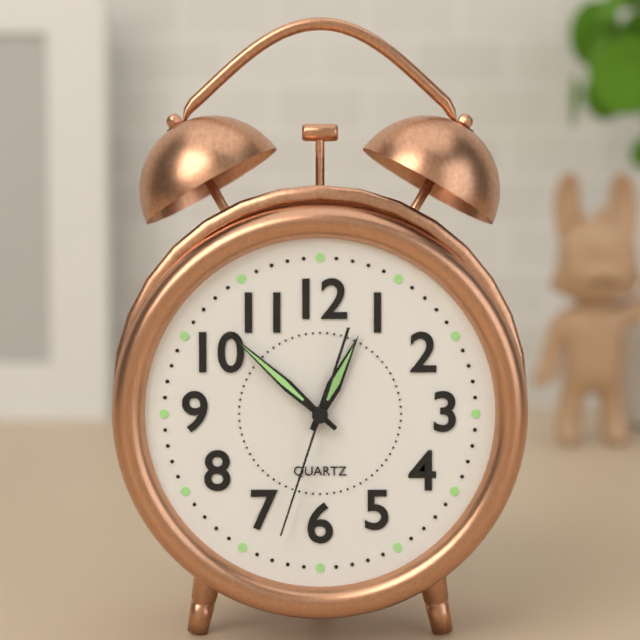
12.52.33
